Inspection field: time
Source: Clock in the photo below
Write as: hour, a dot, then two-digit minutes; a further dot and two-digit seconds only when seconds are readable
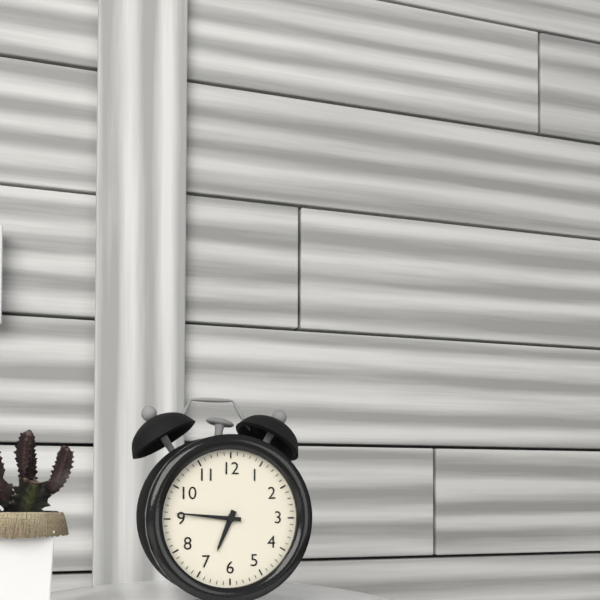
6.46
